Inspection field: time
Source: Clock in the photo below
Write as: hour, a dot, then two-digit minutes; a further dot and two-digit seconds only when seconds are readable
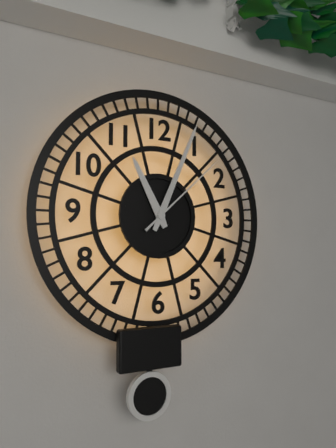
11.04.08
